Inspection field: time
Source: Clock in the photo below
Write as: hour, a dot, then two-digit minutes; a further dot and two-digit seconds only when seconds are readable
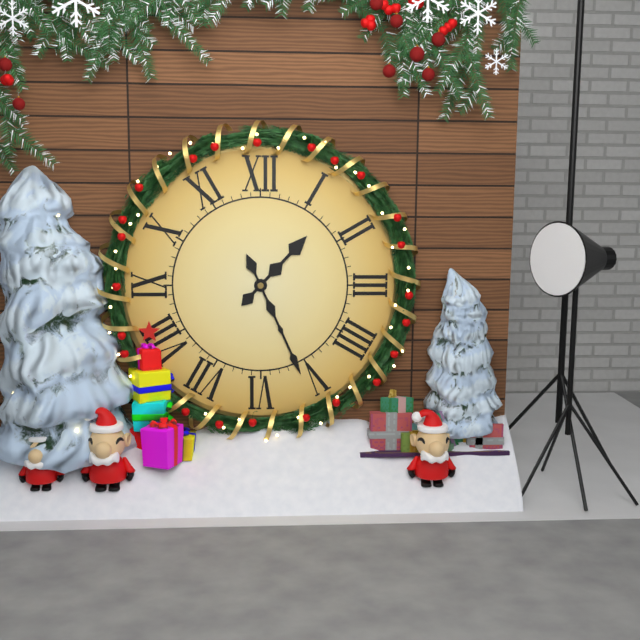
1.26
